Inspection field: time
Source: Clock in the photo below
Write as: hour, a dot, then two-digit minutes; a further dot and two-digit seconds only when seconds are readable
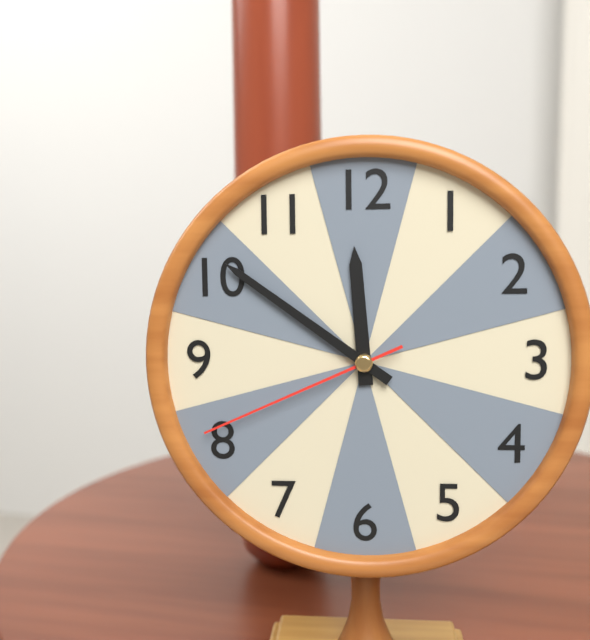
11.51.41
